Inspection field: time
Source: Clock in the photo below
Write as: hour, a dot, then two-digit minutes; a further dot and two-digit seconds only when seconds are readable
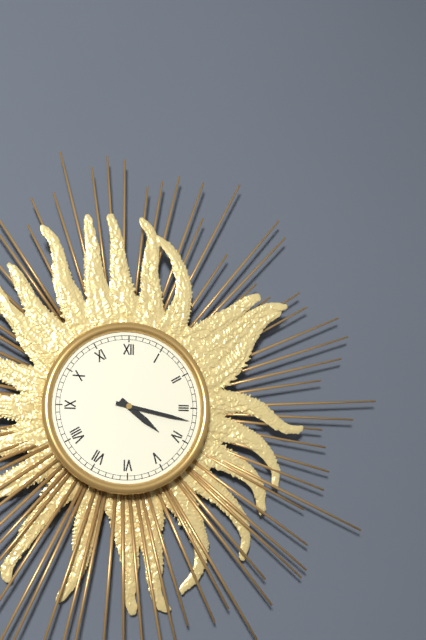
4.17
